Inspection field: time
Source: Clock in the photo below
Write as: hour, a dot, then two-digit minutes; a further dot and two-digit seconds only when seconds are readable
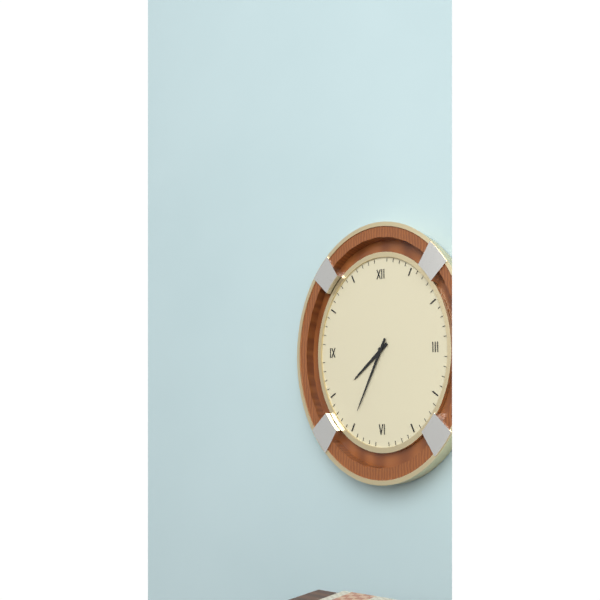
7.34
